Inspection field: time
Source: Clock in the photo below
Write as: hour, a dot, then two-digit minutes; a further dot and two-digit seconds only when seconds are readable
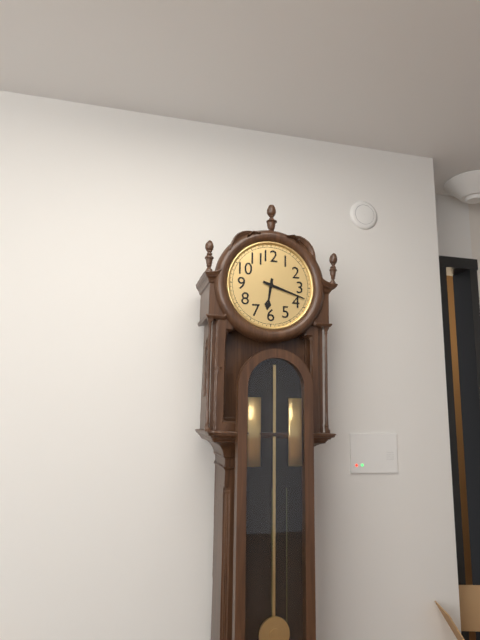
6.18
